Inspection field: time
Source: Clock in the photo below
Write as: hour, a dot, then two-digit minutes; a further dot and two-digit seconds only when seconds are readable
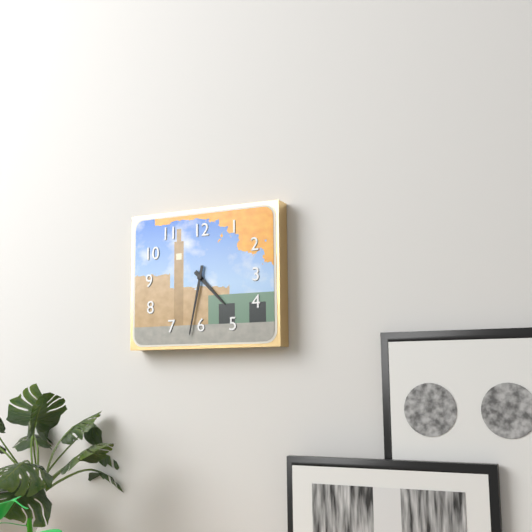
4.32
